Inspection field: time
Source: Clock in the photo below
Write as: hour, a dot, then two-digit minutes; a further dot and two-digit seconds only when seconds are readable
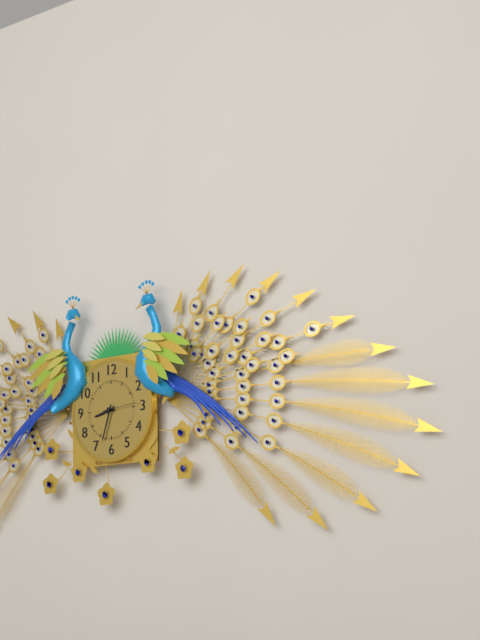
8.33
